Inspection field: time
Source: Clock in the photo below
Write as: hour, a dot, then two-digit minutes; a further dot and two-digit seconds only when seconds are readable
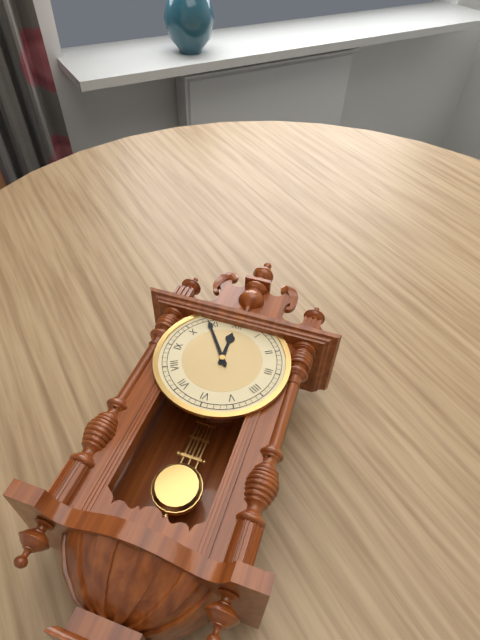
11.54
